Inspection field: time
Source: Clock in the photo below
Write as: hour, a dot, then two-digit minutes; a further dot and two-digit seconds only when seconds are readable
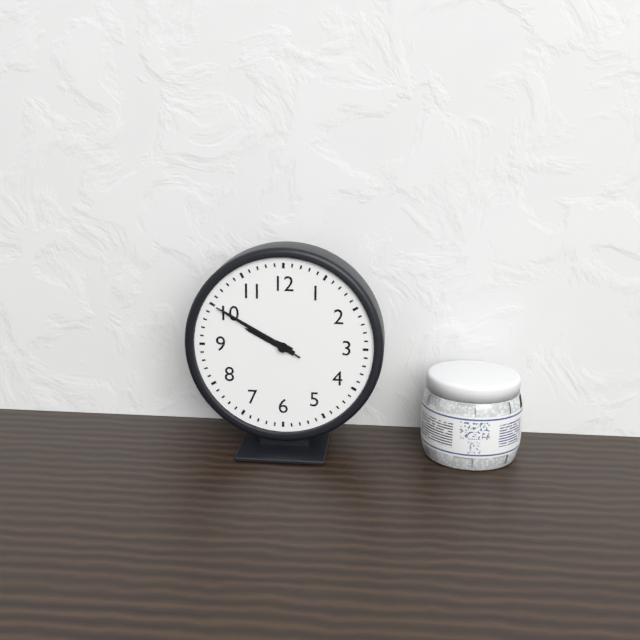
9.50.50
